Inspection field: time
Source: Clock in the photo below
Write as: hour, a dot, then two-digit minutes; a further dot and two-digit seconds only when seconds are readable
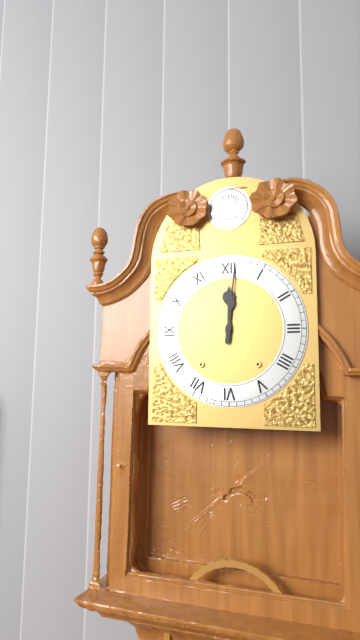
12.01
